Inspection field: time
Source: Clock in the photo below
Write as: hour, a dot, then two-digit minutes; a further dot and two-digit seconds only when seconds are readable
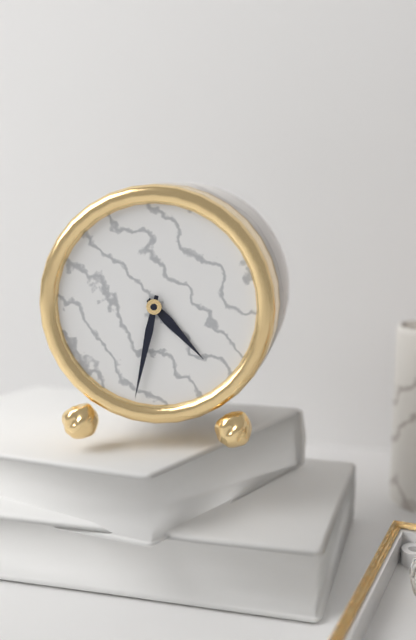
4.32
